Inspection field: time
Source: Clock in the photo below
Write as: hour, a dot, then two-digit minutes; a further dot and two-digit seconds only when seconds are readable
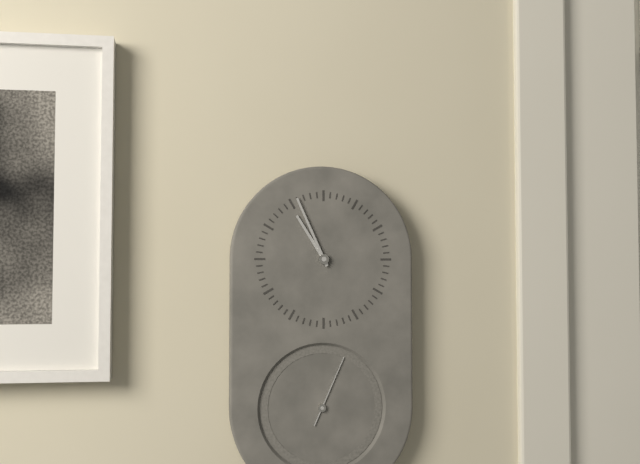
10.56.04
